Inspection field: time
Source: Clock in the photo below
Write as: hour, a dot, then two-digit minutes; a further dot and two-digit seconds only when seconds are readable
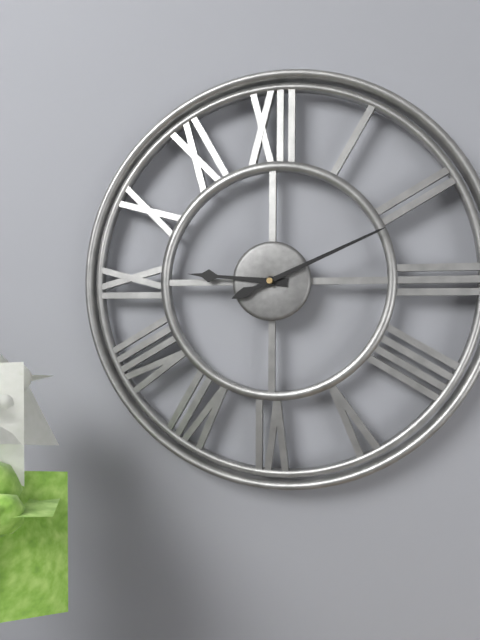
9.11
